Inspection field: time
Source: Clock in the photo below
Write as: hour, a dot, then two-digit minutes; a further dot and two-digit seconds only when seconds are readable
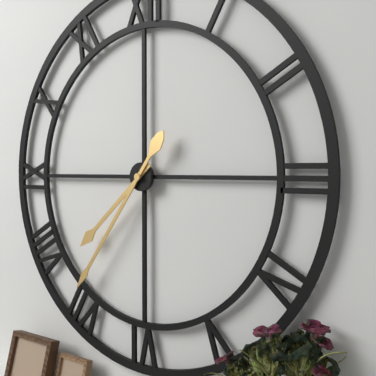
7.36
